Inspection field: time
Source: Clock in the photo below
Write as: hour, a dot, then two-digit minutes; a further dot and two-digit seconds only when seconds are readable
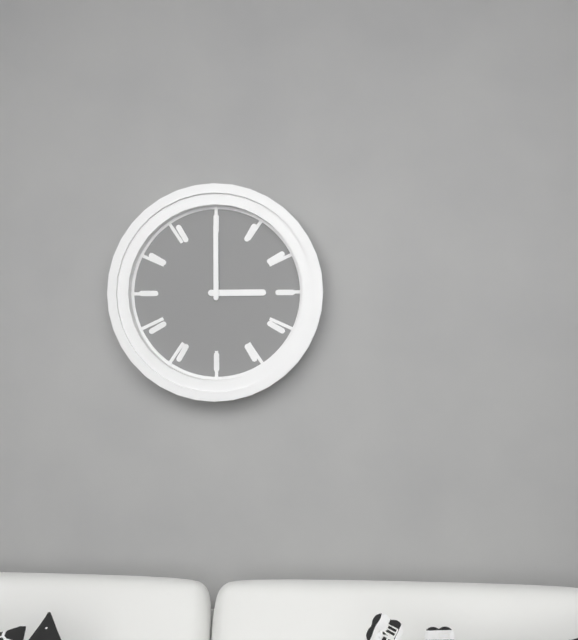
3.00
